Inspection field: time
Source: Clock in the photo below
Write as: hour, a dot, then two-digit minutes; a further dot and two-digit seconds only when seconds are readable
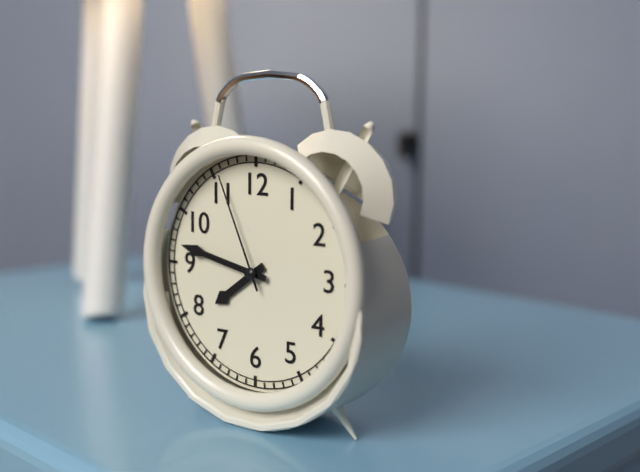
7.47.56
